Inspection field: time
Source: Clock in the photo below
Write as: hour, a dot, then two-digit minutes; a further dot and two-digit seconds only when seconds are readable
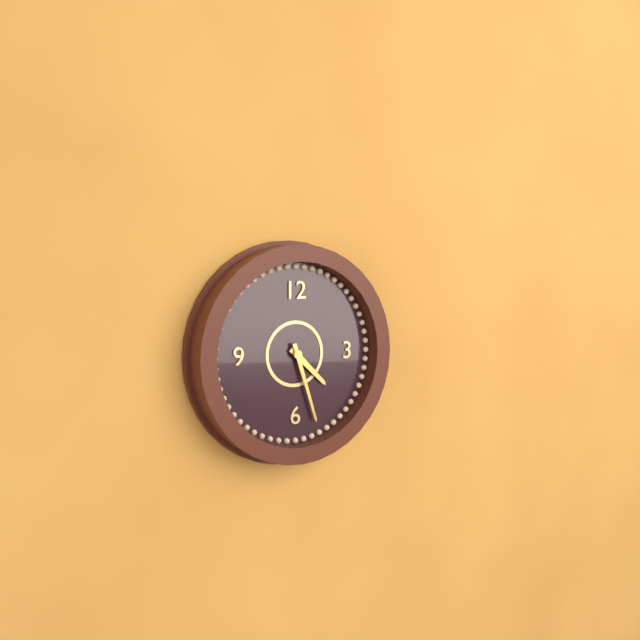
4.27
